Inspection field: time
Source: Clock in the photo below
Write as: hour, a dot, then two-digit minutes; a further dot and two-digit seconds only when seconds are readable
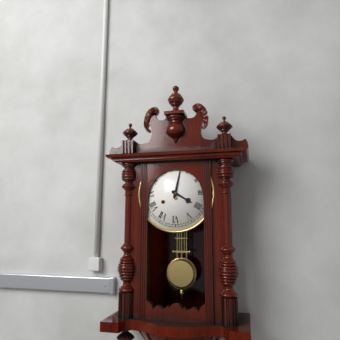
4.02
